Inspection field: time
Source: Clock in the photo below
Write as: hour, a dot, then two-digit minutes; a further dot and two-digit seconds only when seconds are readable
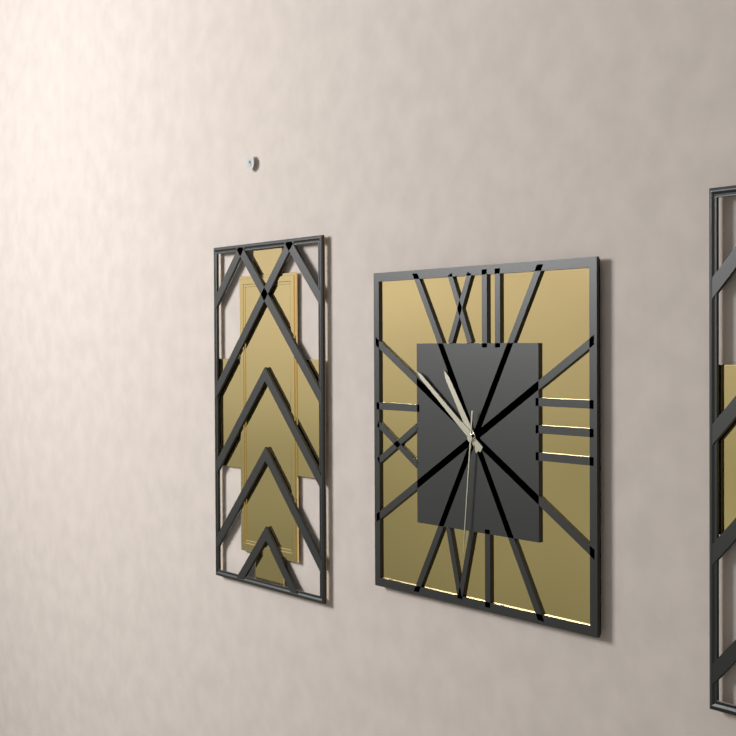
10.51.31
